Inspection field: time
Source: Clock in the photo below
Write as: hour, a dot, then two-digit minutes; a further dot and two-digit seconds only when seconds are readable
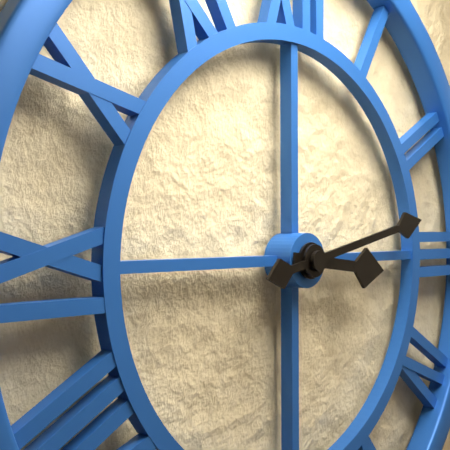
3.13
